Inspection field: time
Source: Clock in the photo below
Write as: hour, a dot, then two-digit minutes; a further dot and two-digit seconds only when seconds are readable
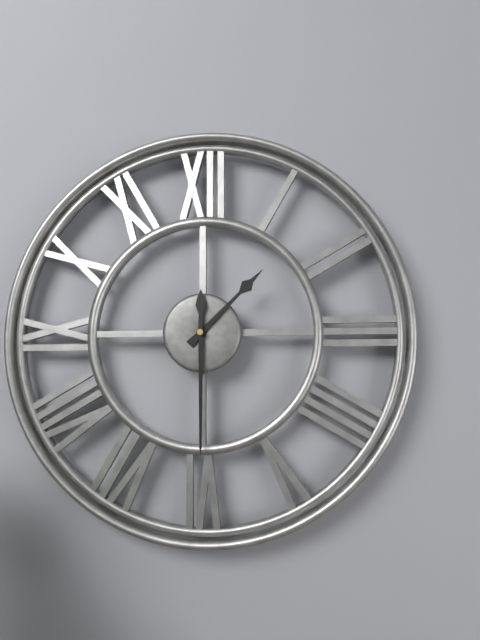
1.30
